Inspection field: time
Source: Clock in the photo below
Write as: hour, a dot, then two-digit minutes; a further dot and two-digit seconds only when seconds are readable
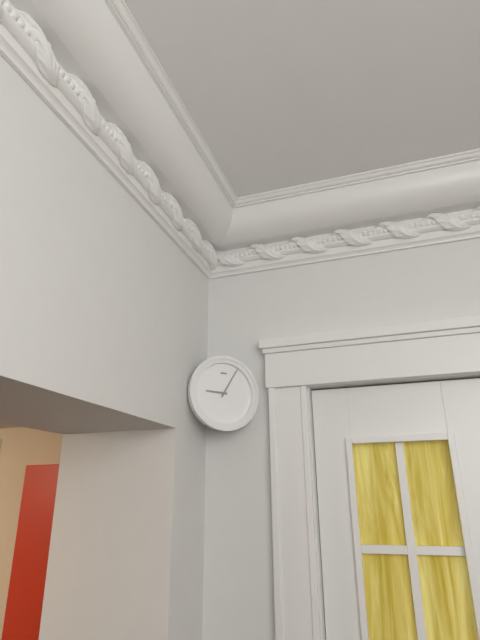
9.05
